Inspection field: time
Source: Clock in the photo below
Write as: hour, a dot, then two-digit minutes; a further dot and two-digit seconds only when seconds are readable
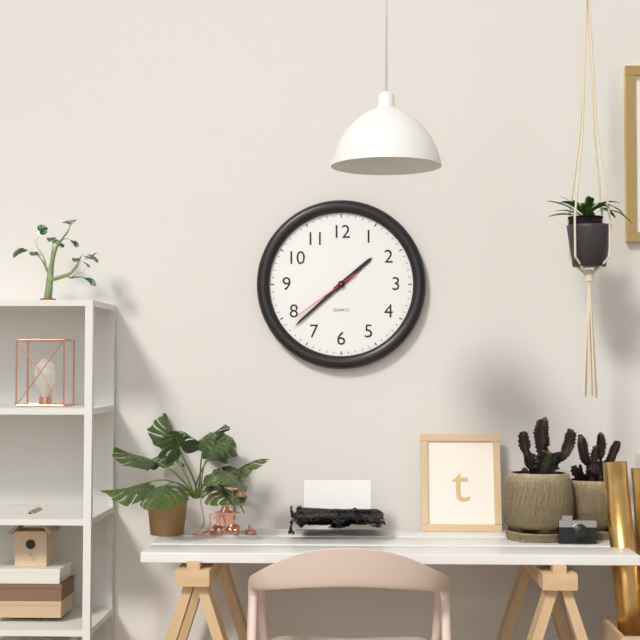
1.38.39
